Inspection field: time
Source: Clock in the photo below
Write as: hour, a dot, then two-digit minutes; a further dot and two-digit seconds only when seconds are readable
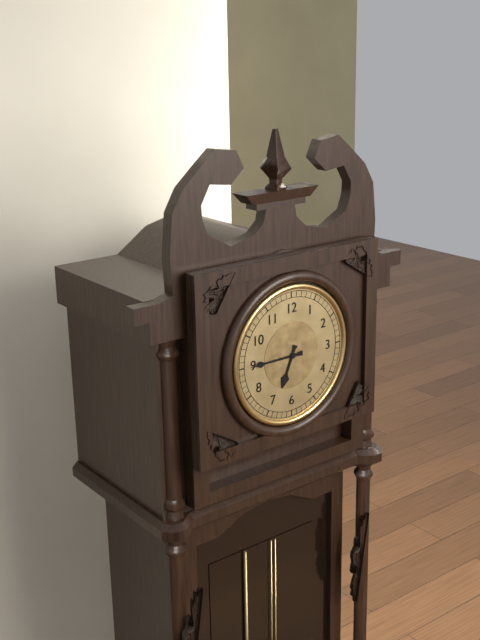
6.45
